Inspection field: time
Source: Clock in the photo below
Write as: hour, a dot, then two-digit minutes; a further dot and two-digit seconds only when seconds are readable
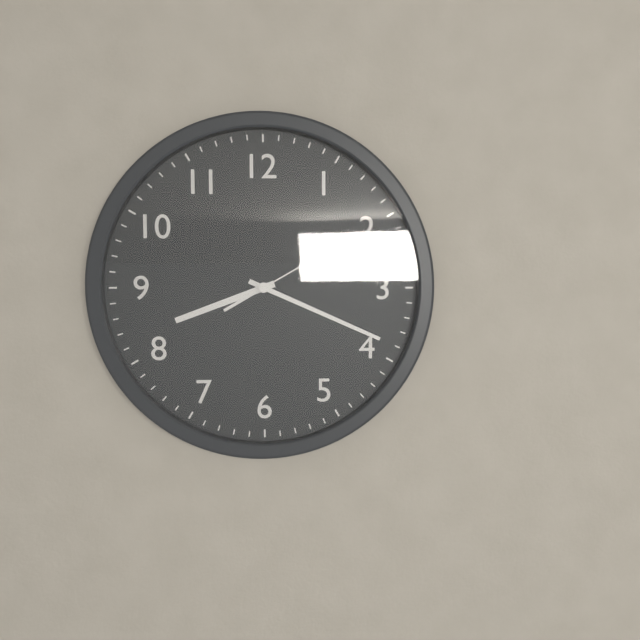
8.19.10
